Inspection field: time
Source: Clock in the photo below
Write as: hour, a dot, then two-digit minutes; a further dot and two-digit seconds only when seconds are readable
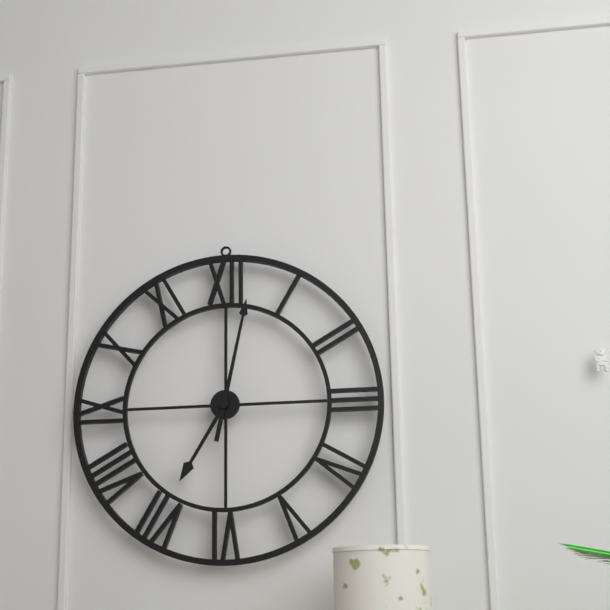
7.02
